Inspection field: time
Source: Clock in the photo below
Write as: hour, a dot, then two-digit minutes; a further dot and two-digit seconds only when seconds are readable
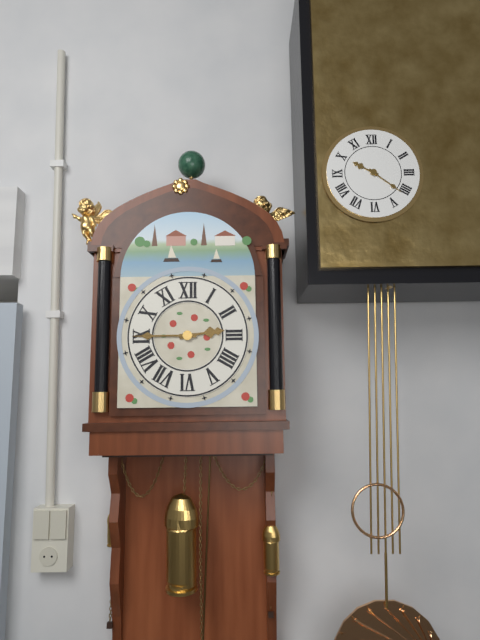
2.45
